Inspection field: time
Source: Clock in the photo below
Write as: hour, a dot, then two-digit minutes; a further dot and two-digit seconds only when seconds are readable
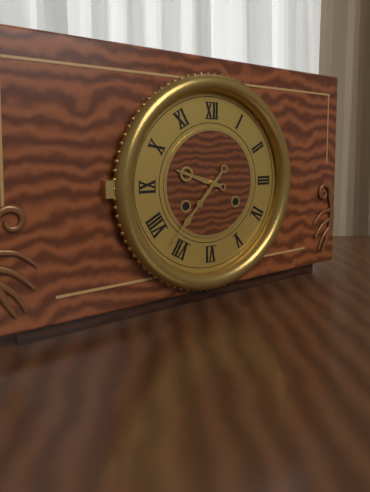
9.37
